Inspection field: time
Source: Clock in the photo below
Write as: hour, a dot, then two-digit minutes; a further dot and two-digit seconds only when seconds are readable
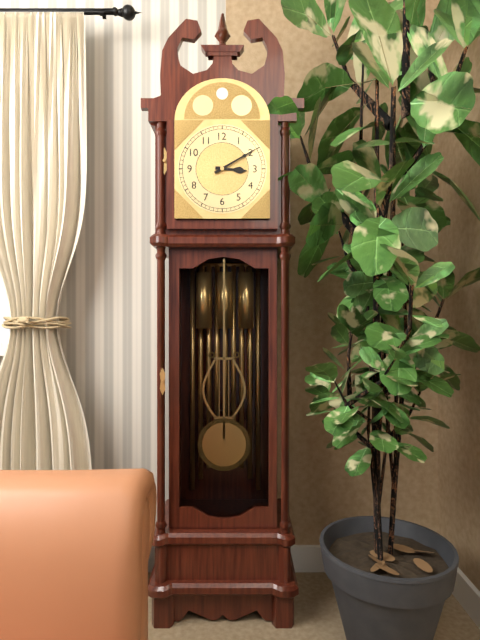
3.10
